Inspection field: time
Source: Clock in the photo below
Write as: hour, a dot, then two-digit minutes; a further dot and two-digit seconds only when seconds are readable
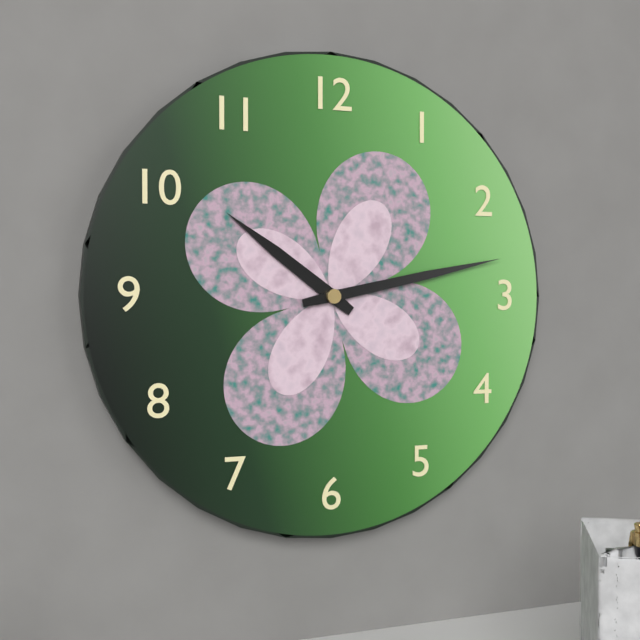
10.13
